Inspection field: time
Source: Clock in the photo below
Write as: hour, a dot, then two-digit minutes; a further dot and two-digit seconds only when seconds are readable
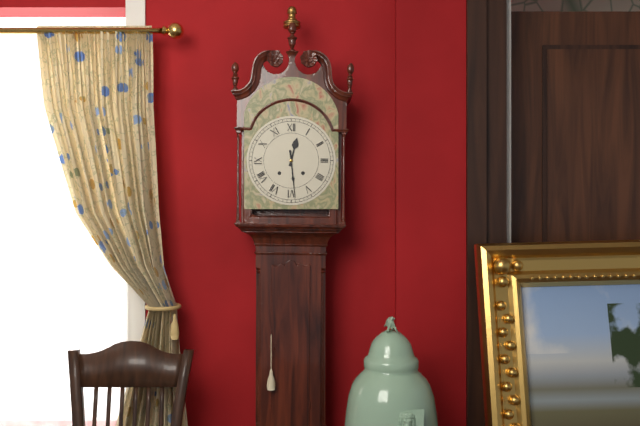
12.29
